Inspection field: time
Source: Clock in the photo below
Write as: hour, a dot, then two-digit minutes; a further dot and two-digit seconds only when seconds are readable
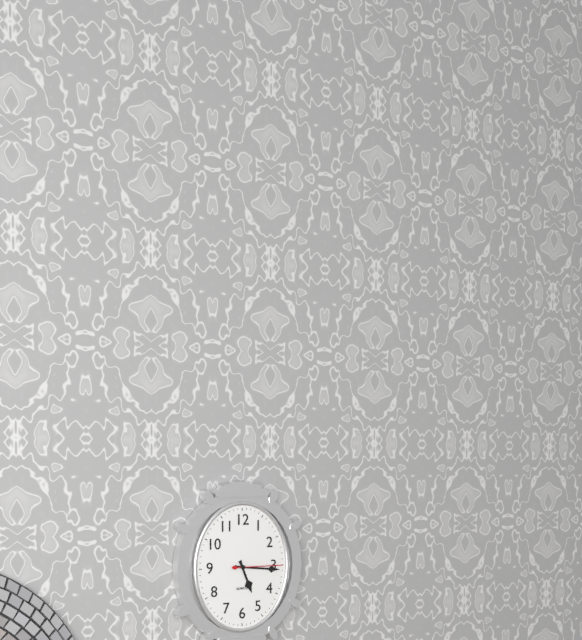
5.16.15
